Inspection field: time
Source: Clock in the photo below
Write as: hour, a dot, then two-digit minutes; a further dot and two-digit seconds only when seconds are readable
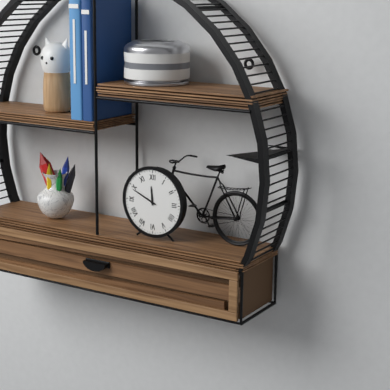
11.49
